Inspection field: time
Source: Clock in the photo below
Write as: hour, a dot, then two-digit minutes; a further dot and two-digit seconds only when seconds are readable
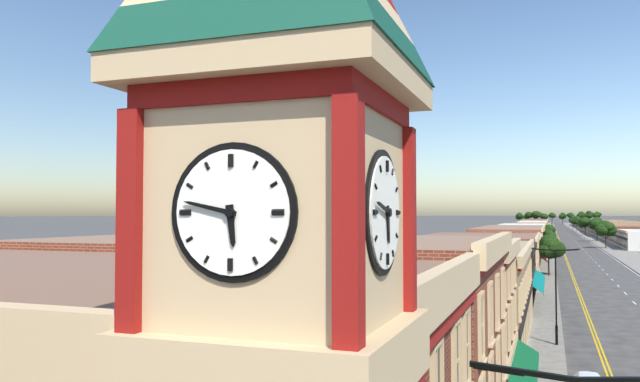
5.47
